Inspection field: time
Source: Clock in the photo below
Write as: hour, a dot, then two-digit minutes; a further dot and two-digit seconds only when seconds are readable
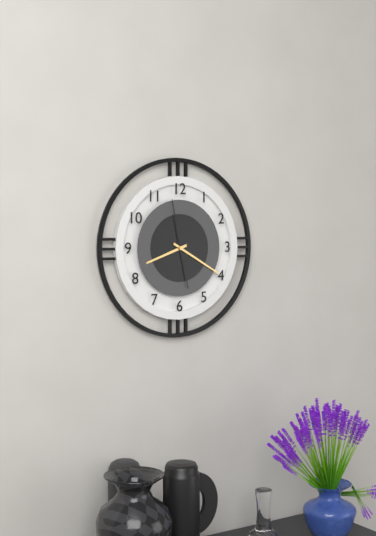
8.20.58
